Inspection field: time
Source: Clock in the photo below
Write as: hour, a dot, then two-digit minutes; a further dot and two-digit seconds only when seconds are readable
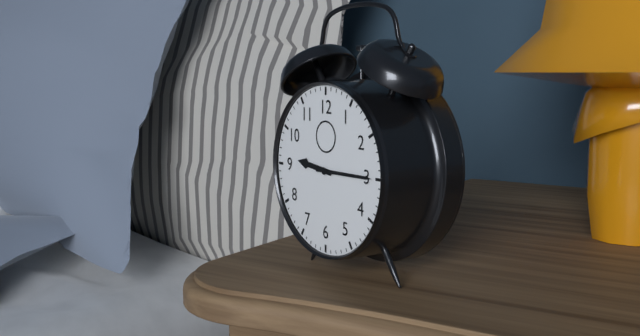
9.15
